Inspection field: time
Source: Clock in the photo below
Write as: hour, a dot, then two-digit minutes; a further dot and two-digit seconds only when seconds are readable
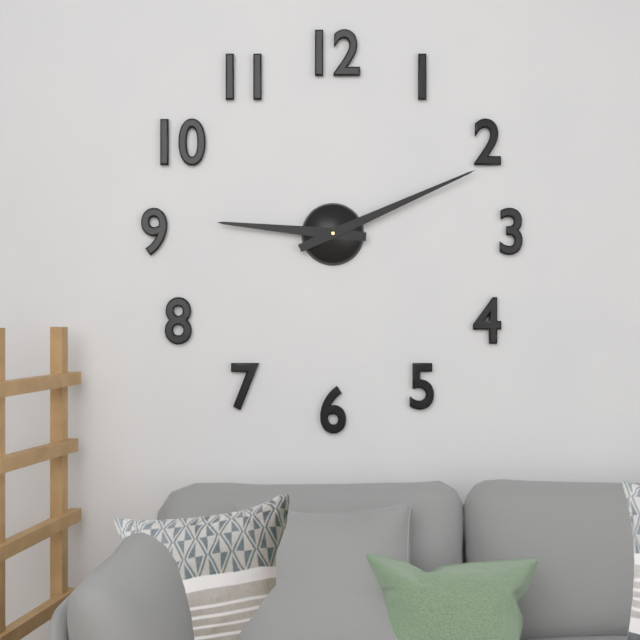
9.11
